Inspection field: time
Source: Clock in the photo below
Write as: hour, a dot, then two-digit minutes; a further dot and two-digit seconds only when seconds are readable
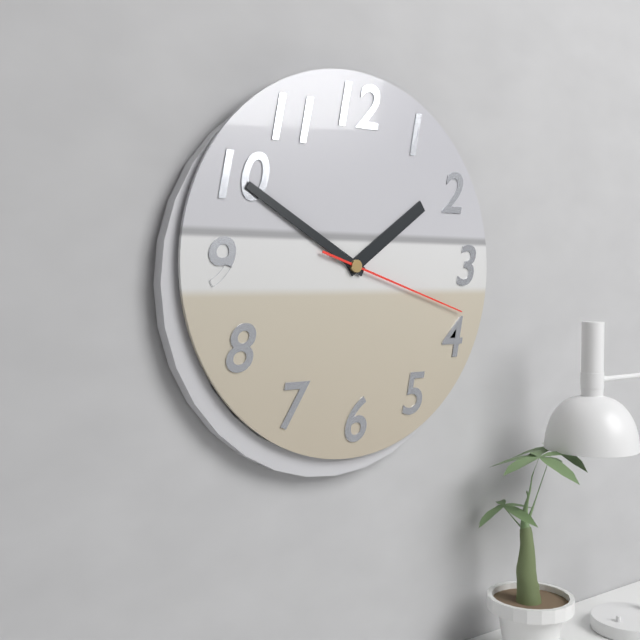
1.50.18
